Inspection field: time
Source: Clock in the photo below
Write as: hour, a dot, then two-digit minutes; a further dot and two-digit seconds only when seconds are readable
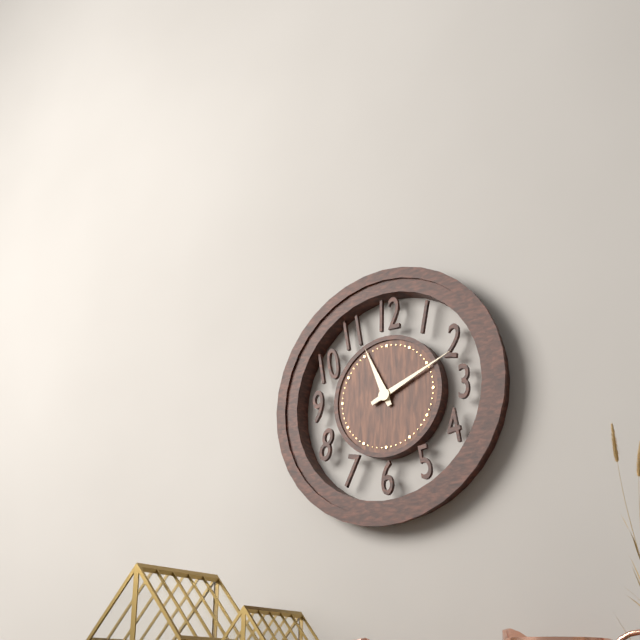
11.11
